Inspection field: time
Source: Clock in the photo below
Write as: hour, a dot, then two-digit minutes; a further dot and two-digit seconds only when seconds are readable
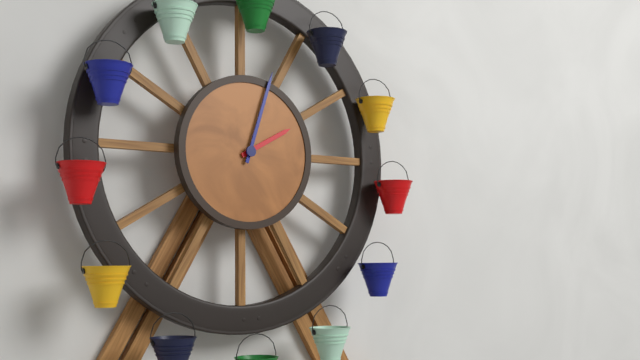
2.03
